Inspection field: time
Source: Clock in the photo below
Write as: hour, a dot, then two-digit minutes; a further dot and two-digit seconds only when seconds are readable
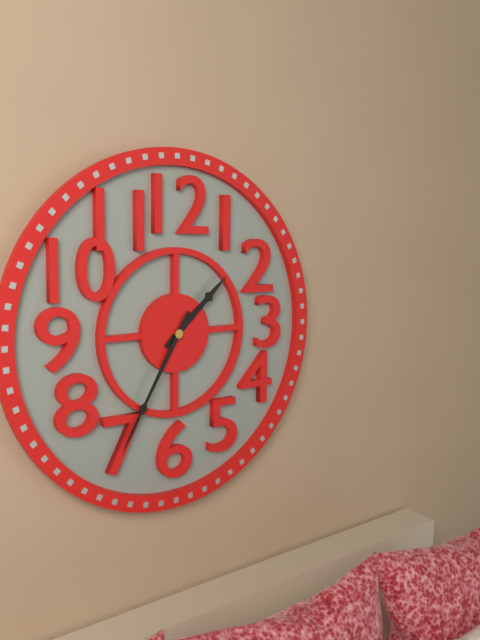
1.35
